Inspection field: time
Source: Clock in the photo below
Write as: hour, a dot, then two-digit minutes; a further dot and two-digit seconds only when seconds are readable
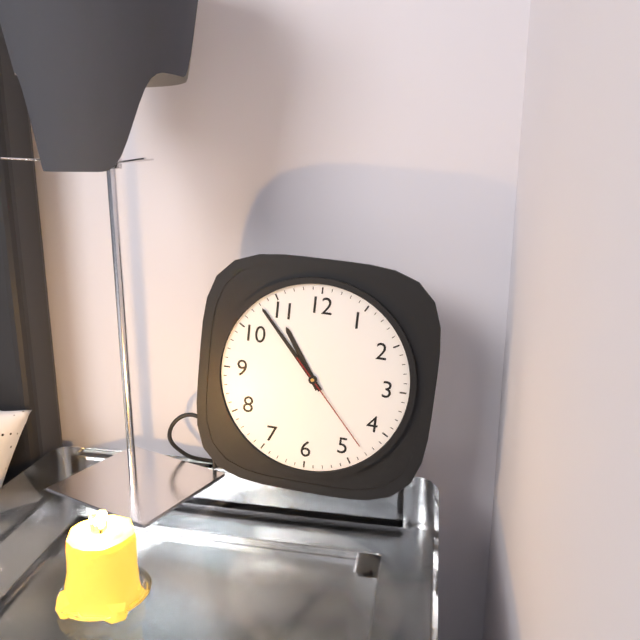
10.53.23
